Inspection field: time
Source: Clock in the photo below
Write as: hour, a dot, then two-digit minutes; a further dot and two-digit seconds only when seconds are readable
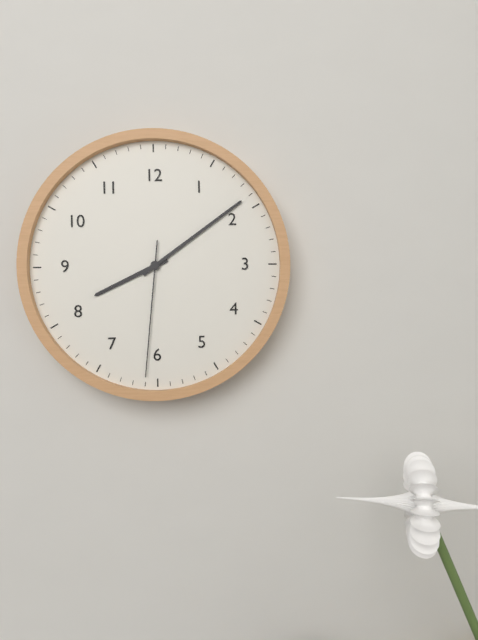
8.09.31
